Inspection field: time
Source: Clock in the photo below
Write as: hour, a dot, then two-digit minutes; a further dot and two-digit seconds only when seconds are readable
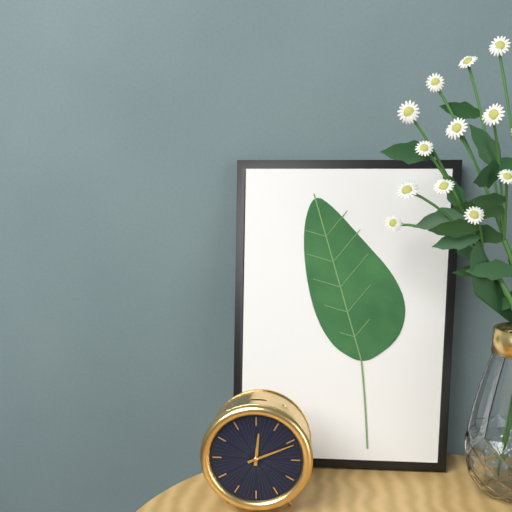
12.11
